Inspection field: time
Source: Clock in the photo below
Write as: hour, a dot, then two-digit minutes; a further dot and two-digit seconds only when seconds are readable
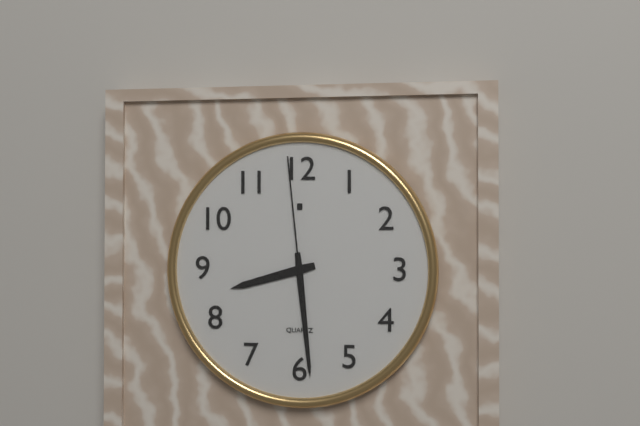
8.29.59
